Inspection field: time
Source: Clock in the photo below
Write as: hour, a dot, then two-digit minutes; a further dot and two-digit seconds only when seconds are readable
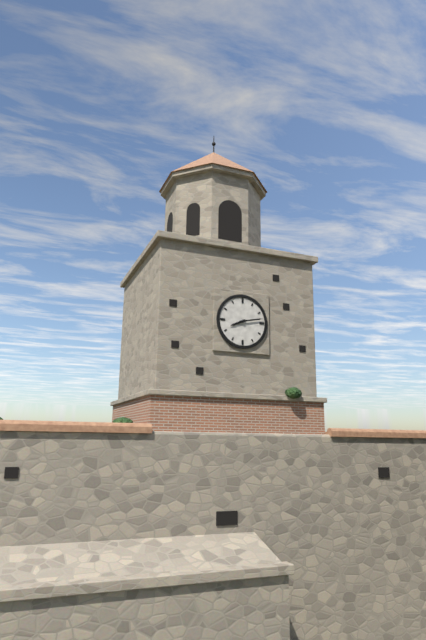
8.13
